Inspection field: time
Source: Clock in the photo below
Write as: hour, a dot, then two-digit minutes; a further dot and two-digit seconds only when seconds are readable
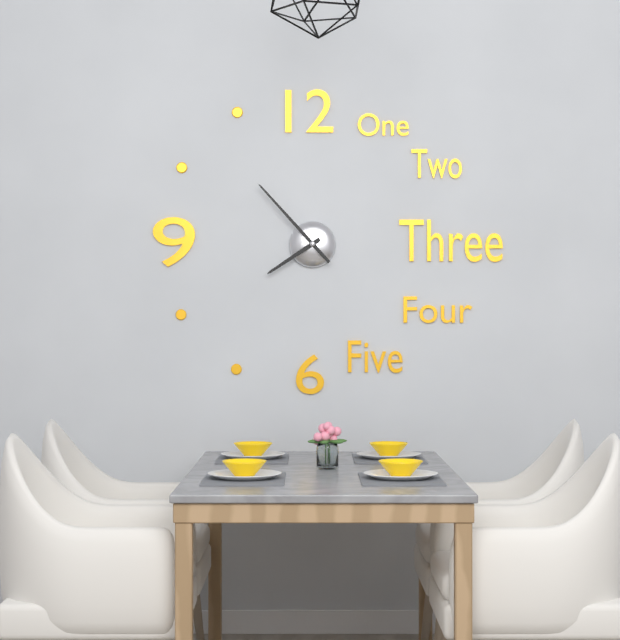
7.53
